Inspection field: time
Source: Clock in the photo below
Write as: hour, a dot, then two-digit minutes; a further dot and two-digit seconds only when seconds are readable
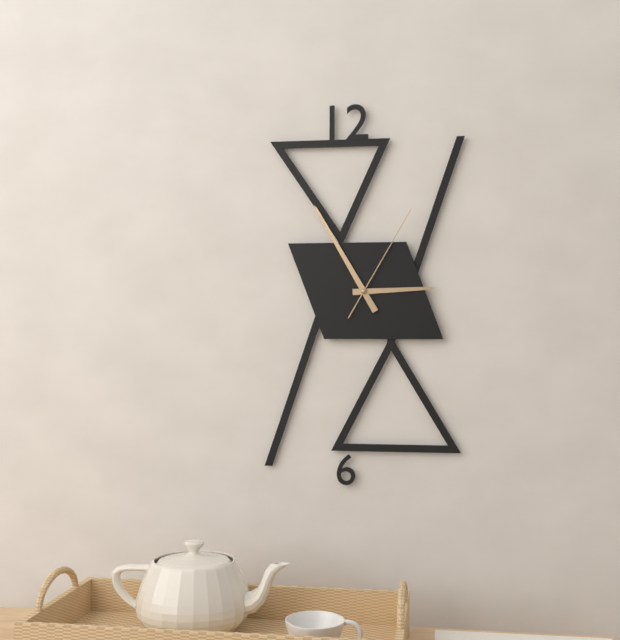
2.55.05
